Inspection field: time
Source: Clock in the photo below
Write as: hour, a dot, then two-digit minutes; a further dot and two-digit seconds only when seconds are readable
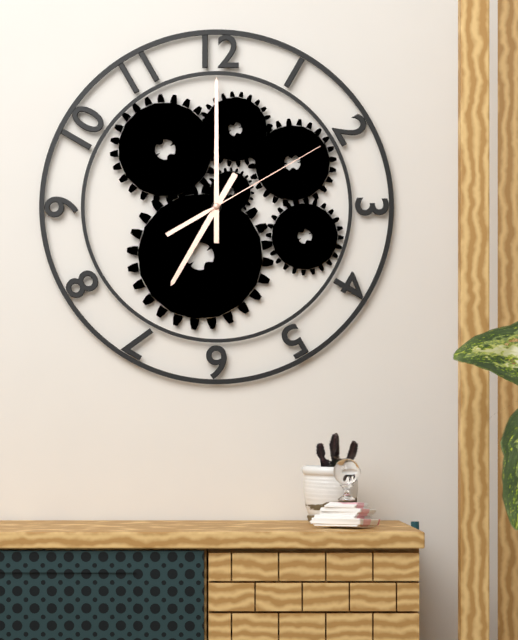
7.00.10
